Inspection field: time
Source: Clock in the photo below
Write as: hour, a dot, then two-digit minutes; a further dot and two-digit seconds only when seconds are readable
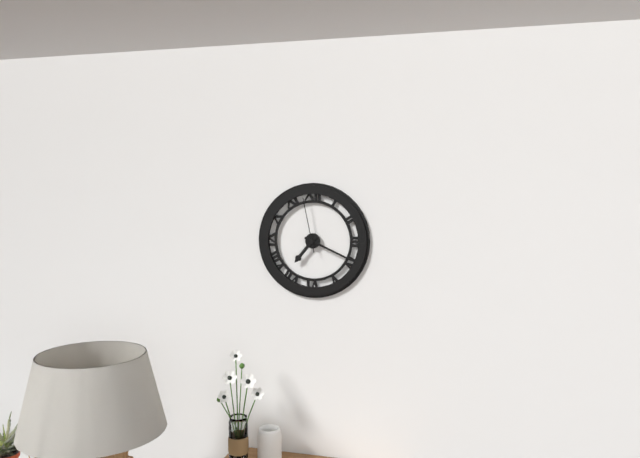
7.19.58
